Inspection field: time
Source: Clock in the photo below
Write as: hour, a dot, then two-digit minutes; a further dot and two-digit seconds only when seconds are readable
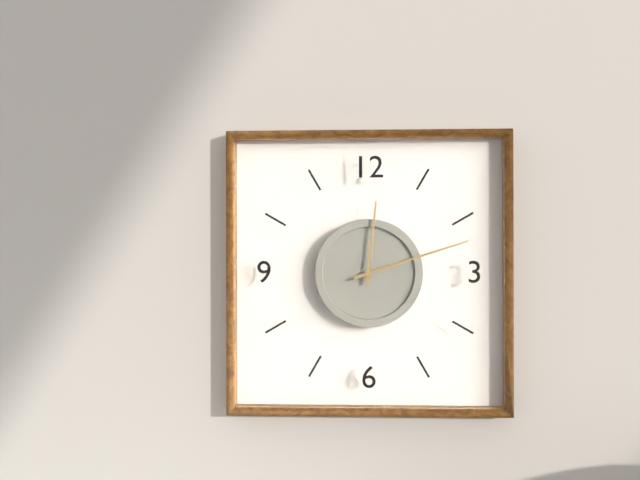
12.12
